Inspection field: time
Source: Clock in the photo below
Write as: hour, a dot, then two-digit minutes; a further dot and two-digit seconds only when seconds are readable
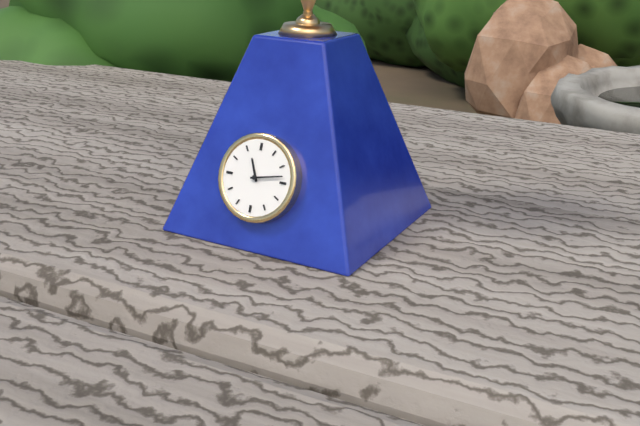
11.13
